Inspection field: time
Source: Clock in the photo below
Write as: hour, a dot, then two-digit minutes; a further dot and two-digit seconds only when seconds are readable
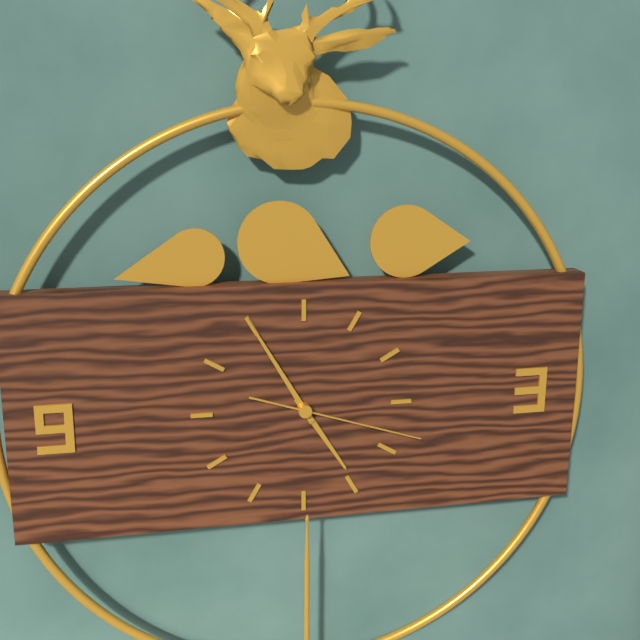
4.55.18
